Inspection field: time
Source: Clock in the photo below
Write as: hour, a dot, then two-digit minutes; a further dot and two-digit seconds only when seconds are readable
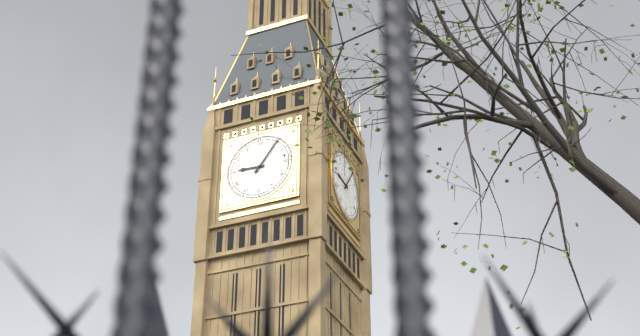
9.06
